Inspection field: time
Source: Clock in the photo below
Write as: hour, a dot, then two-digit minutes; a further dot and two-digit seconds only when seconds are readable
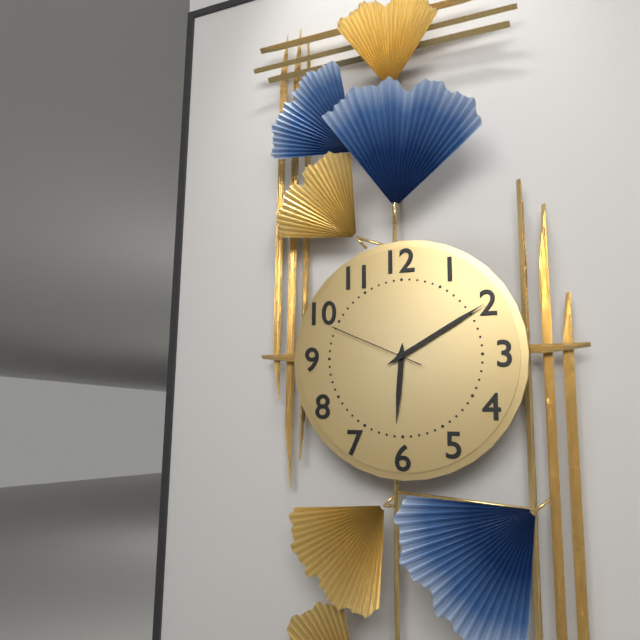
6.10.49
